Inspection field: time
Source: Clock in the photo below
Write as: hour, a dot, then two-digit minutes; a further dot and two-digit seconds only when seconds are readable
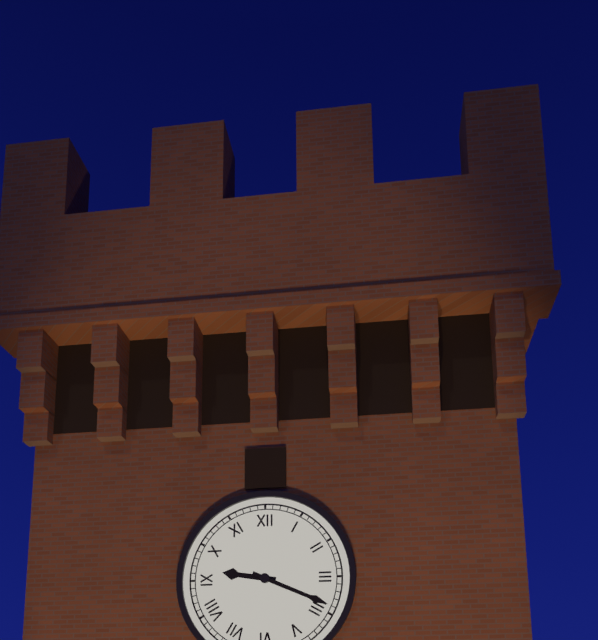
9.19
